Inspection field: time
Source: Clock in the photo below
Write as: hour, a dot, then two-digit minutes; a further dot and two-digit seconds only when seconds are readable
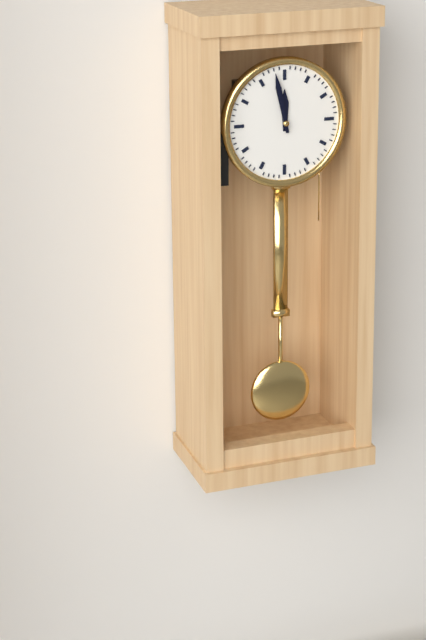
11.58
